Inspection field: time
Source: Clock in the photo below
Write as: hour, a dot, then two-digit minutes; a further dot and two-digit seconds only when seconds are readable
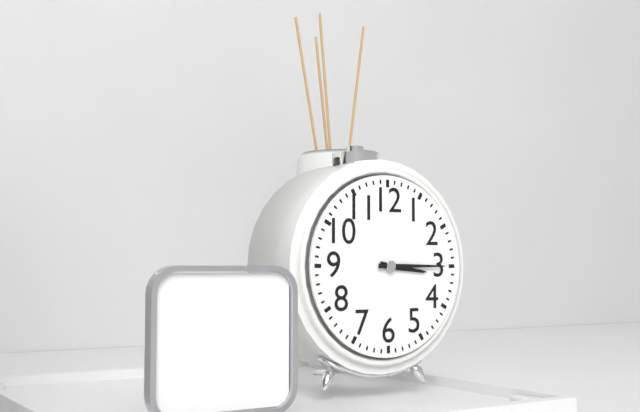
3.15
